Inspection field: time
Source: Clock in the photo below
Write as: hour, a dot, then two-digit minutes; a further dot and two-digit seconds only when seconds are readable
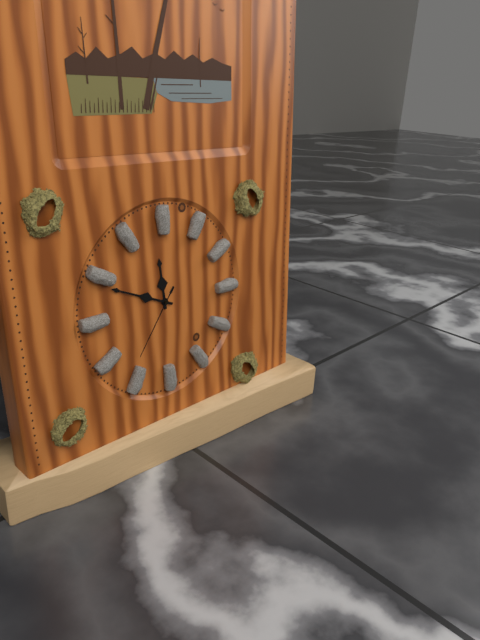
11.49.36
